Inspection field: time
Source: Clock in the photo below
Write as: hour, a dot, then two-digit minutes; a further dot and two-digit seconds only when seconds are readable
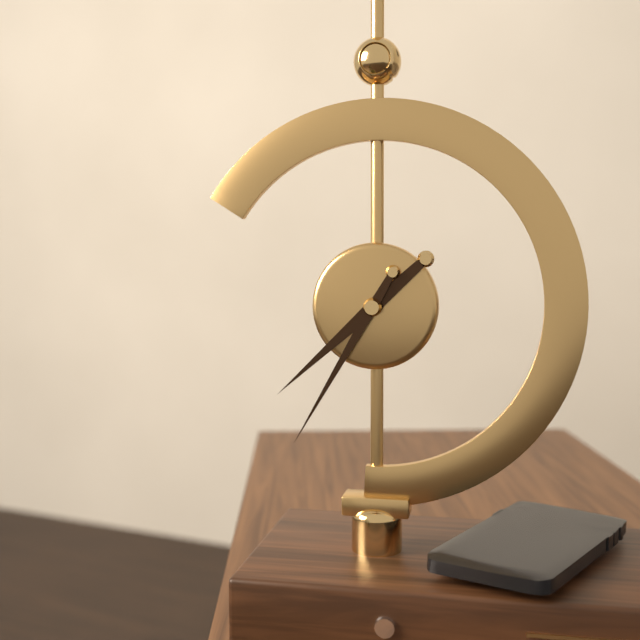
7.35
